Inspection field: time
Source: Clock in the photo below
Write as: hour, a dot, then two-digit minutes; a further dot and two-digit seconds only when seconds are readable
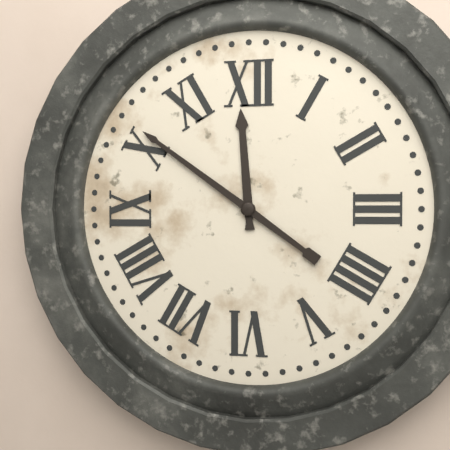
11.51
